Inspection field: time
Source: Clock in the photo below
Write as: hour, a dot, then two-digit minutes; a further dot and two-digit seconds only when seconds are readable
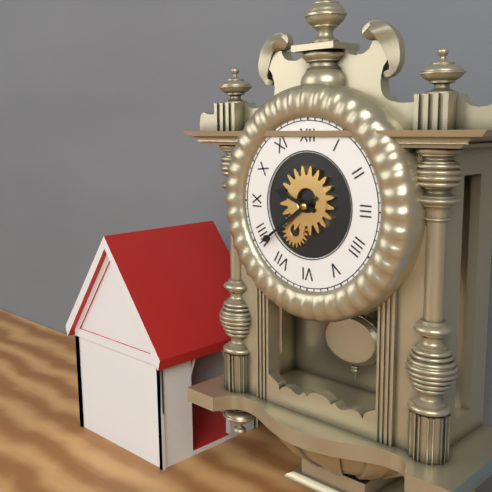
9.39
